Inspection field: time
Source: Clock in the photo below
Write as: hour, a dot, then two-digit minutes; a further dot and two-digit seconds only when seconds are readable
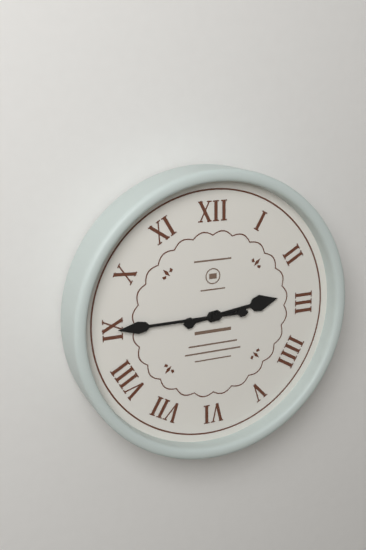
2.45
